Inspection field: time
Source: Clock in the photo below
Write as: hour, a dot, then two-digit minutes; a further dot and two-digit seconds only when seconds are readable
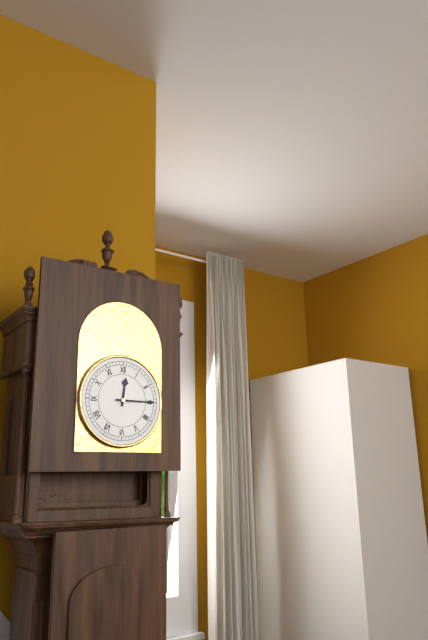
12.15
